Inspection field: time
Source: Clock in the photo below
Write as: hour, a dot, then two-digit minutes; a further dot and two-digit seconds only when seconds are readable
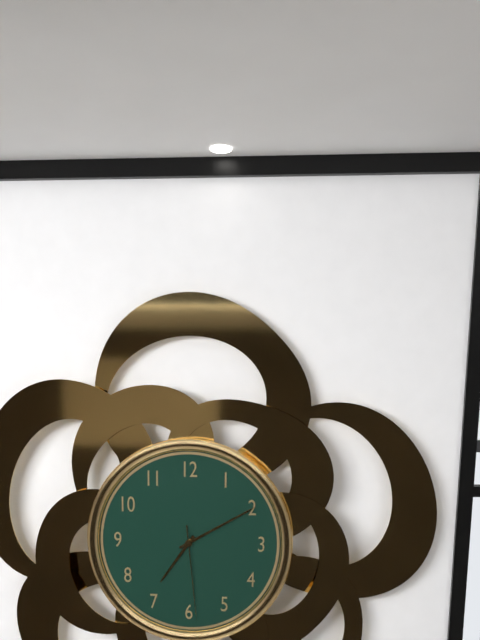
7.10.29
